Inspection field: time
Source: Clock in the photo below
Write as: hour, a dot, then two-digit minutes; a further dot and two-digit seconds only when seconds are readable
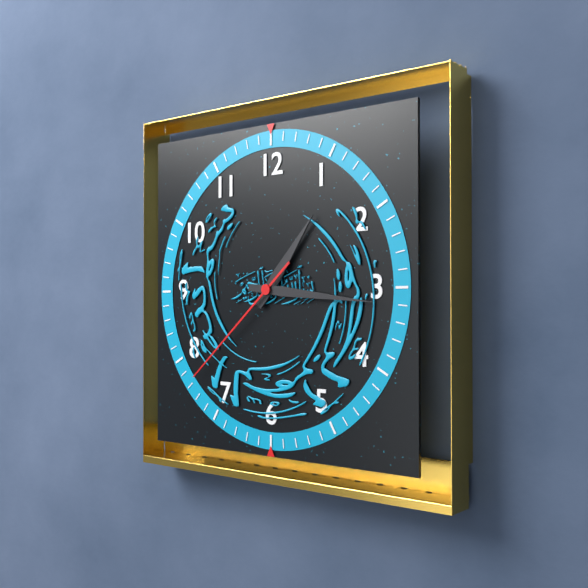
1.16.38
